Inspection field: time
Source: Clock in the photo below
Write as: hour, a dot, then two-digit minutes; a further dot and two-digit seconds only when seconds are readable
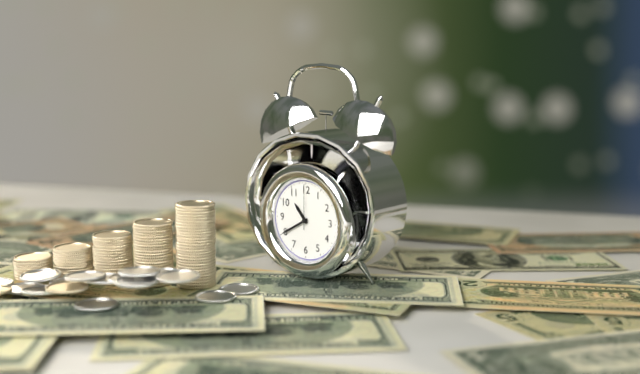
10.40
